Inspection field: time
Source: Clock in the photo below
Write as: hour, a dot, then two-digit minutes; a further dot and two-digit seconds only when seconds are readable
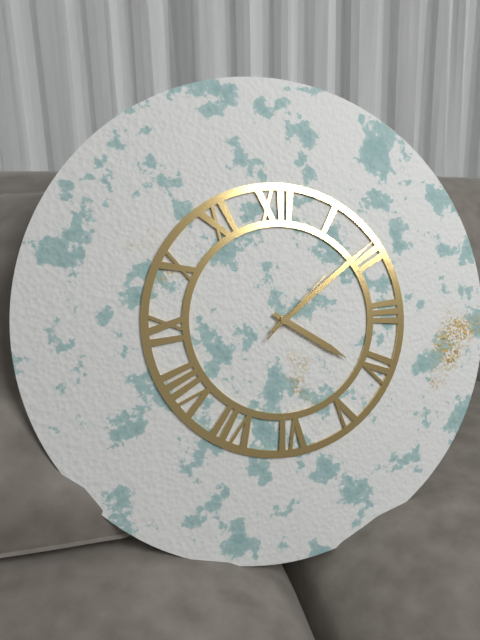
4.09.08
